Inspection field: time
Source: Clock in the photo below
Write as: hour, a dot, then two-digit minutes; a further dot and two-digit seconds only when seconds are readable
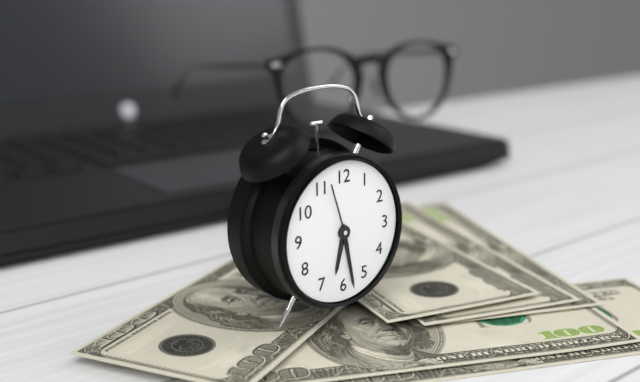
6.28.57
